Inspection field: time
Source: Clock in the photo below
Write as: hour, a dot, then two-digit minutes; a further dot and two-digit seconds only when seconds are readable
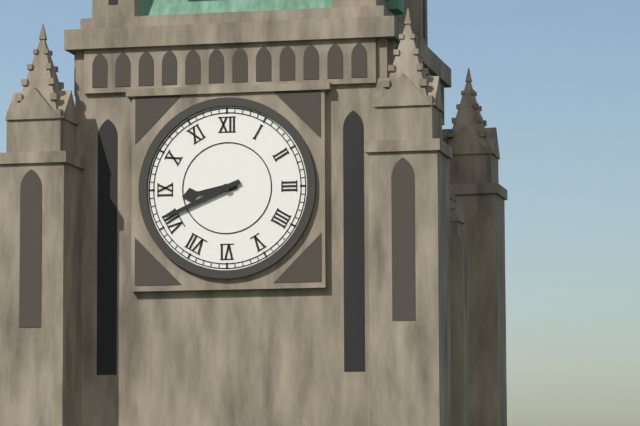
8.41
